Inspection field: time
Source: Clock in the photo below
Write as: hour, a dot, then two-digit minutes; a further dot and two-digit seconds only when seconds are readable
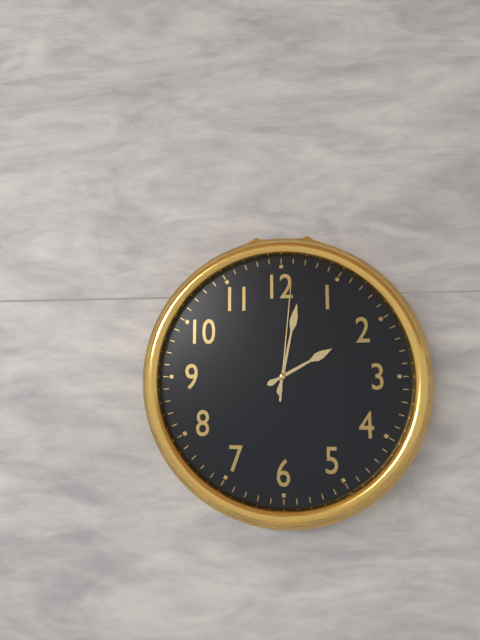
2.02.01
